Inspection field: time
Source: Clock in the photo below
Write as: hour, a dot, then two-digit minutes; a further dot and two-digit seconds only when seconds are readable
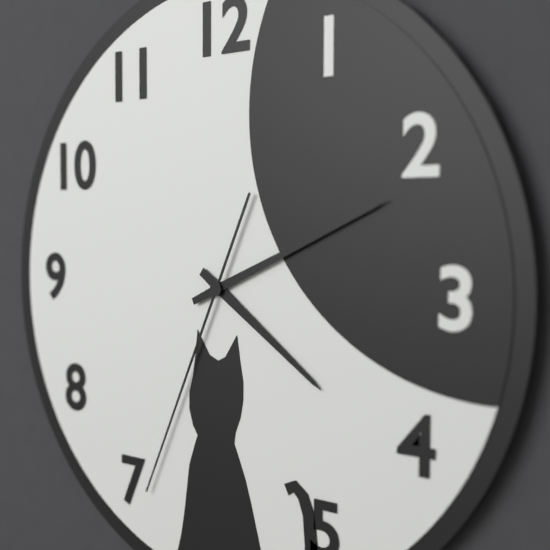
4.11.34
